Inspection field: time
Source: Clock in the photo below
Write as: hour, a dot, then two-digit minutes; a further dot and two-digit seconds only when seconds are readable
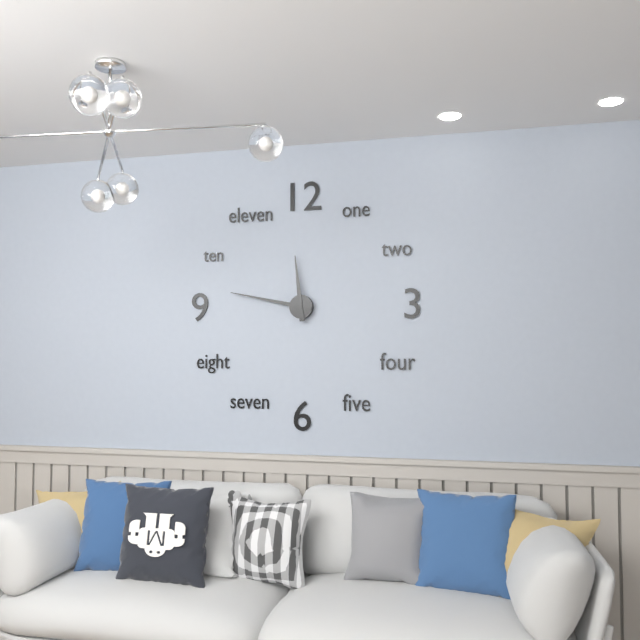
11.47
